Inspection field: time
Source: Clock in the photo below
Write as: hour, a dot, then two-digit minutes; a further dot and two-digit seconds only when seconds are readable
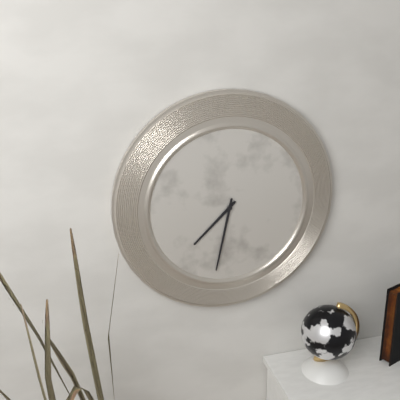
7.32
